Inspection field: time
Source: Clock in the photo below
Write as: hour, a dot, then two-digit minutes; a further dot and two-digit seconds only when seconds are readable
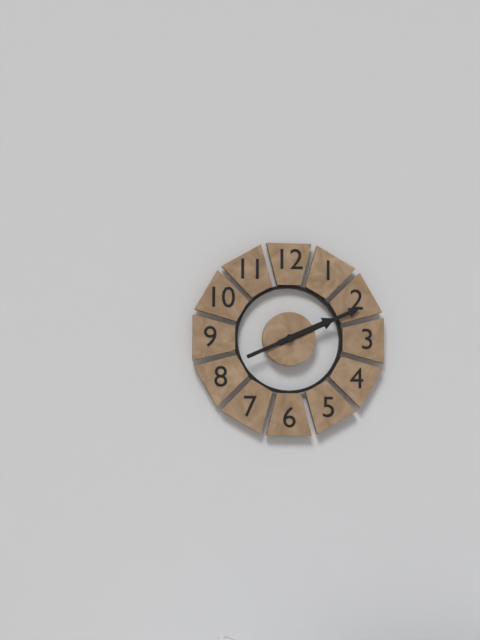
2.11
